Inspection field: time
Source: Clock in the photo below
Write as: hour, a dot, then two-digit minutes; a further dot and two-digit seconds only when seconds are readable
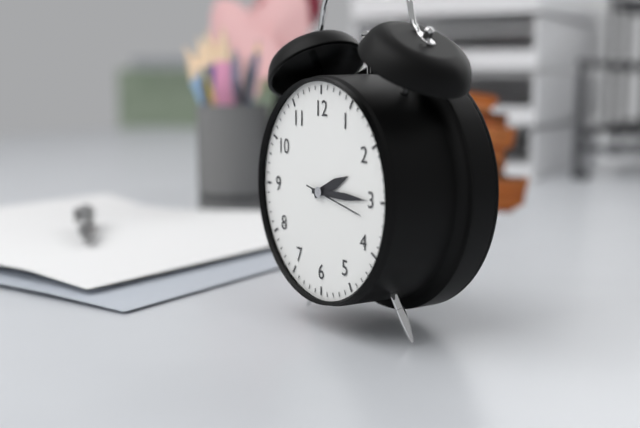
2.15.17
